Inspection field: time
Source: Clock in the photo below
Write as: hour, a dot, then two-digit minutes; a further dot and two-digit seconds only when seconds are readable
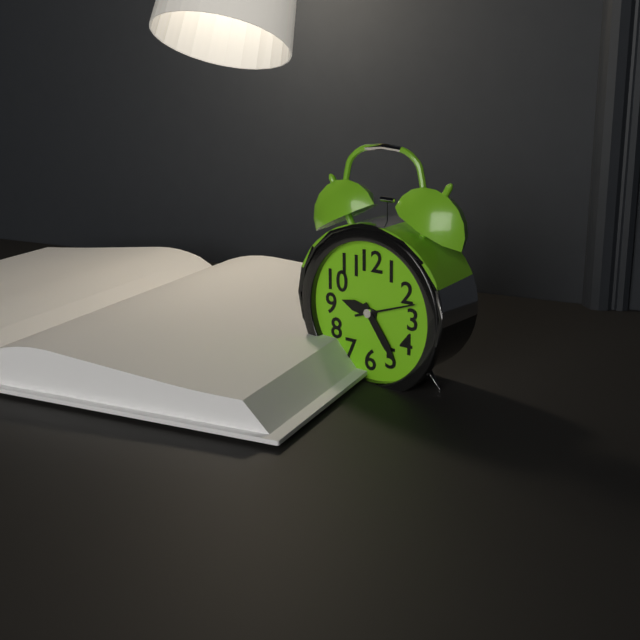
9.24.12
